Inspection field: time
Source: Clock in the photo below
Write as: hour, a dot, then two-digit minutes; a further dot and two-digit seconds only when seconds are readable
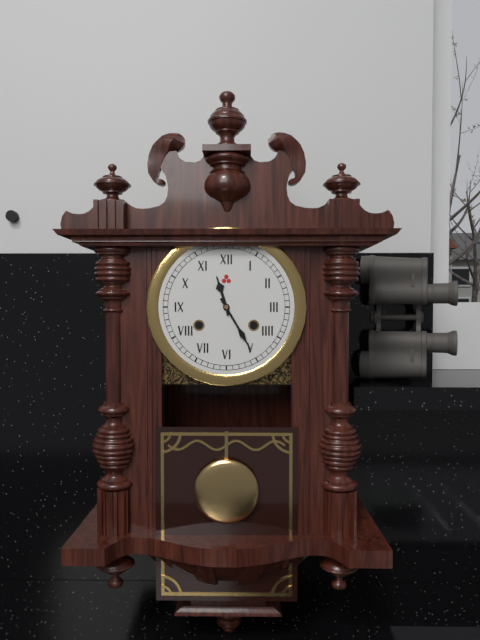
11.25
